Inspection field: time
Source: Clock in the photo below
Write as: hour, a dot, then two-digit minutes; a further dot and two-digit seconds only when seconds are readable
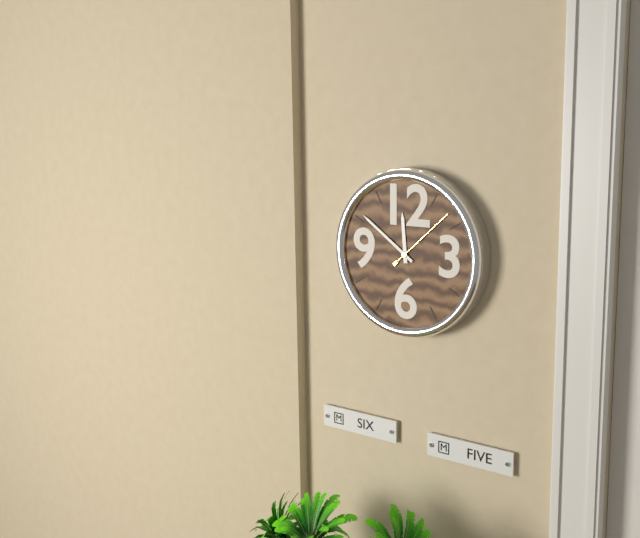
11.51.08
